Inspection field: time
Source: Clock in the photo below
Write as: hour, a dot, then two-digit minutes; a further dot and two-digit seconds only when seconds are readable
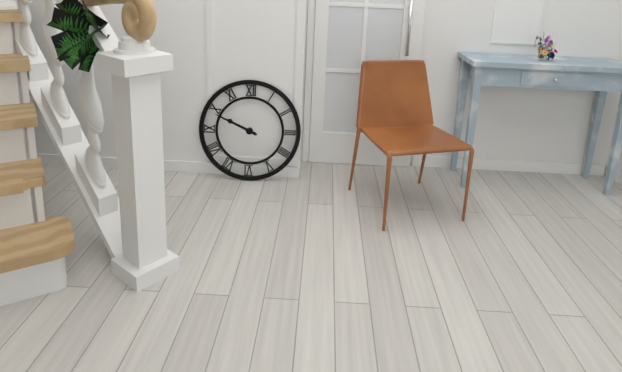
9.49
